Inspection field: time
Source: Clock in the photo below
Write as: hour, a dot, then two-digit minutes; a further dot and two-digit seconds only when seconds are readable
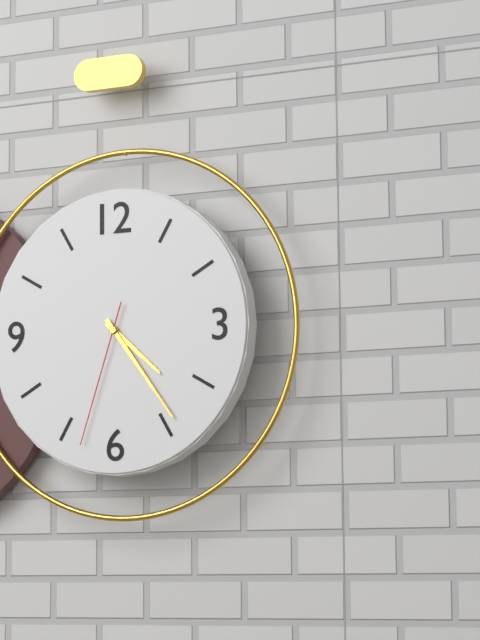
4.24.33
